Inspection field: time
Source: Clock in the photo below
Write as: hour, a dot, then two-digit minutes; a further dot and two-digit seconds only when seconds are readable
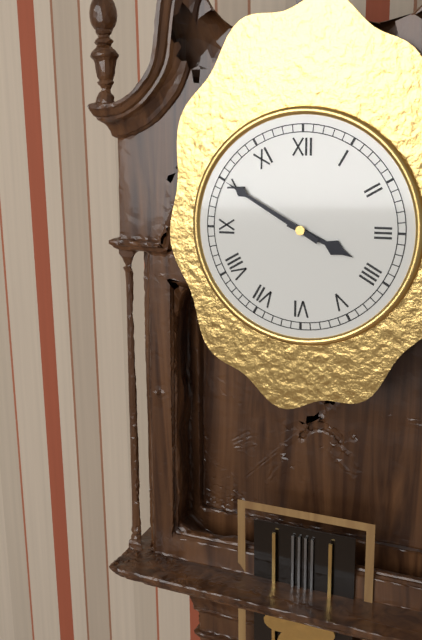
3.50
